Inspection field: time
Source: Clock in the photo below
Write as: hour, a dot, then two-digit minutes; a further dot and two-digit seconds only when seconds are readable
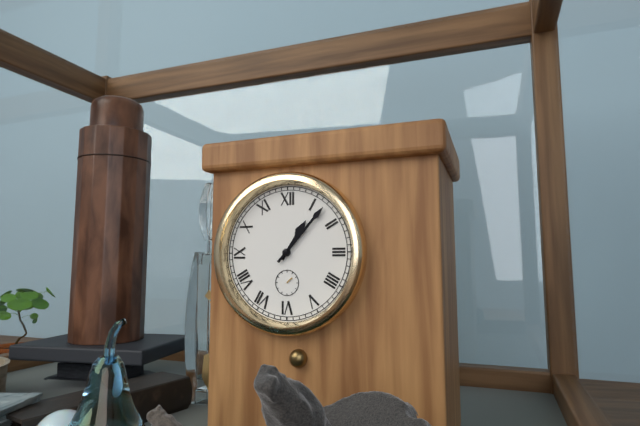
1.07
